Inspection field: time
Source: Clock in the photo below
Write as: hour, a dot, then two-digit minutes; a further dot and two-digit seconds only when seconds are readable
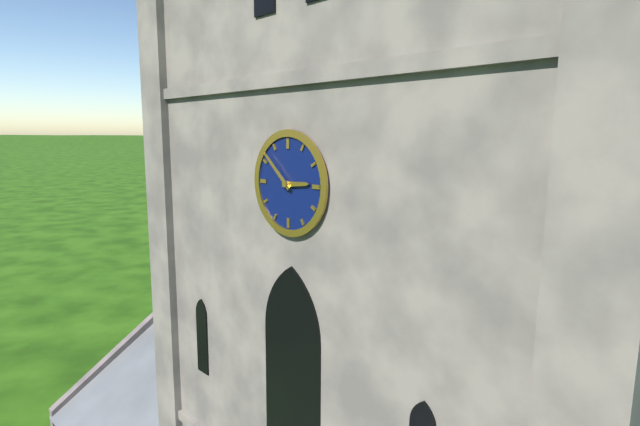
2.52
